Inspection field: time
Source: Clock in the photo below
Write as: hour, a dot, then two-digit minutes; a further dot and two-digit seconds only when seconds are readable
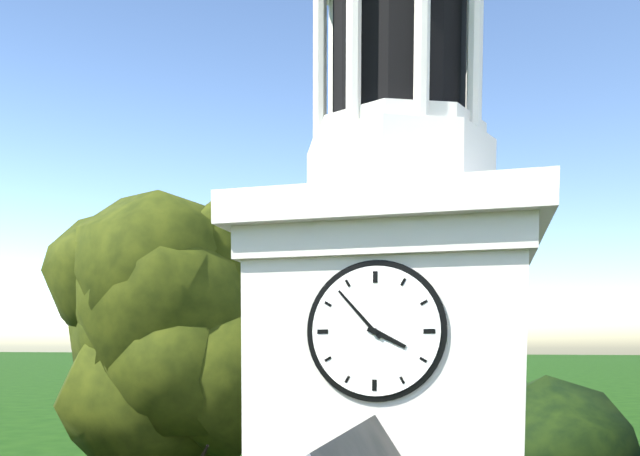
3.53
